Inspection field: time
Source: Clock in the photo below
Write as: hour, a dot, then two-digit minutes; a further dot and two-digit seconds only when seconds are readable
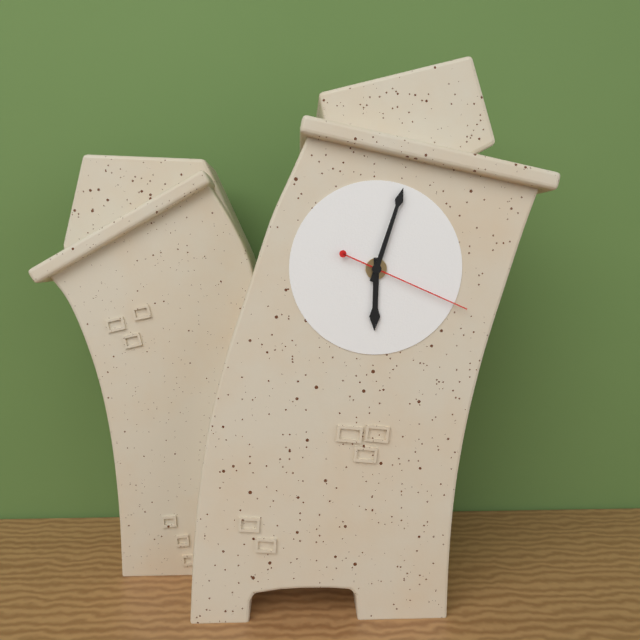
6.03.19
